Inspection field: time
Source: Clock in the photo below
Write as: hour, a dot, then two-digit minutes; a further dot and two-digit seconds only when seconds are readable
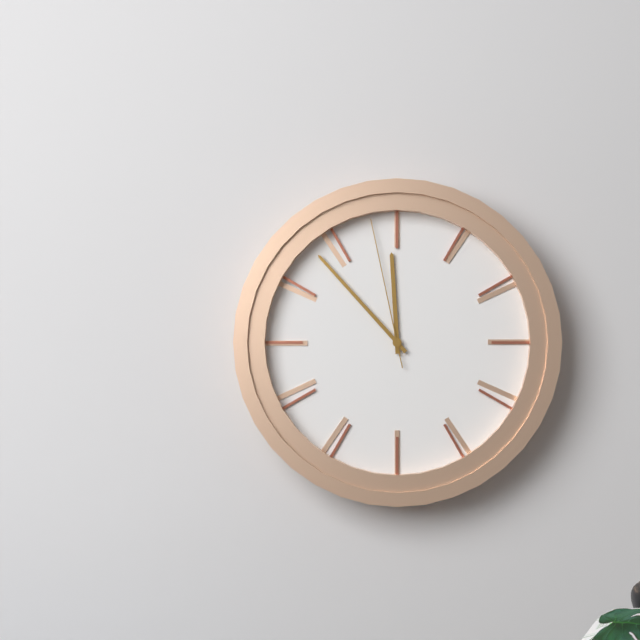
11.53.58
